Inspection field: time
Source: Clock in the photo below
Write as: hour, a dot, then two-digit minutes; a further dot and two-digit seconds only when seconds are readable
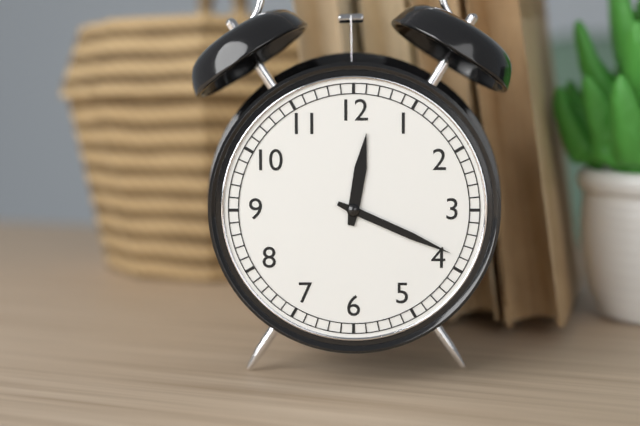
12.19
